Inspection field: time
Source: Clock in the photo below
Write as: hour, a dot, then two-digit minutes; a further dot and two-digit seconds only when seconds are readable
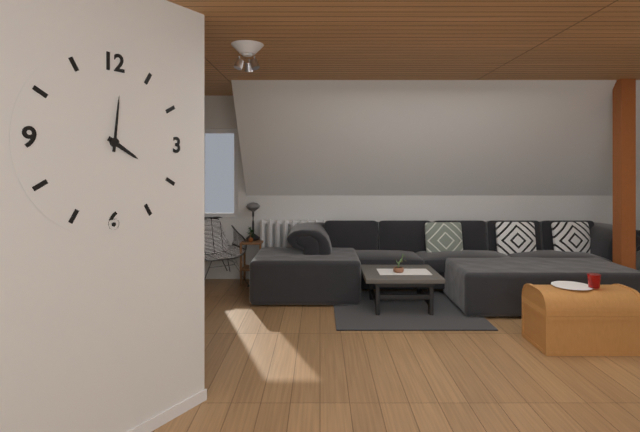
4.01
